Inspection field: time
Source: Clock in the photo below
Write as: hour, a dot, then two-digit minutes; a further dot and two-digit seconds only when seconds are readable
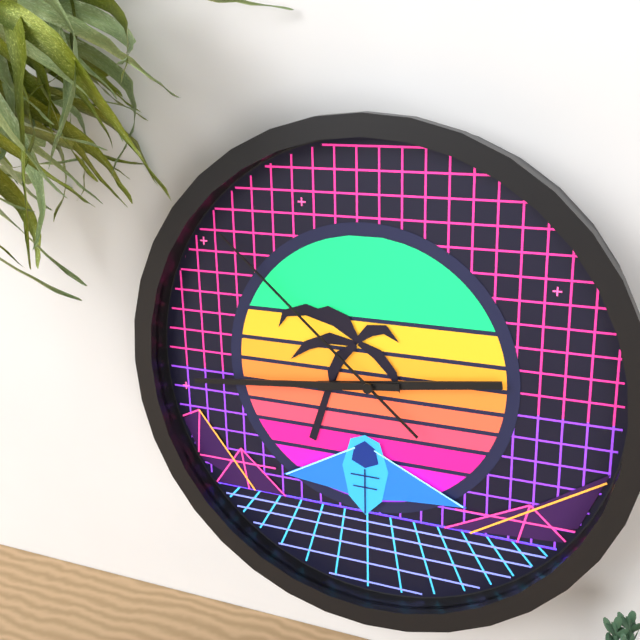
2.44.52
